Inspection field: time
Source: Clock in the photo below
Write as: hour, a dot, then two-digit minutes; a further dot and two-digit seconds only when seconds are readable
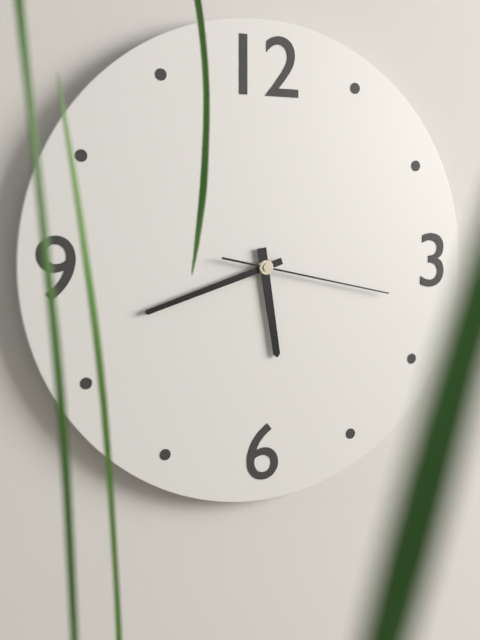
5.42.17
